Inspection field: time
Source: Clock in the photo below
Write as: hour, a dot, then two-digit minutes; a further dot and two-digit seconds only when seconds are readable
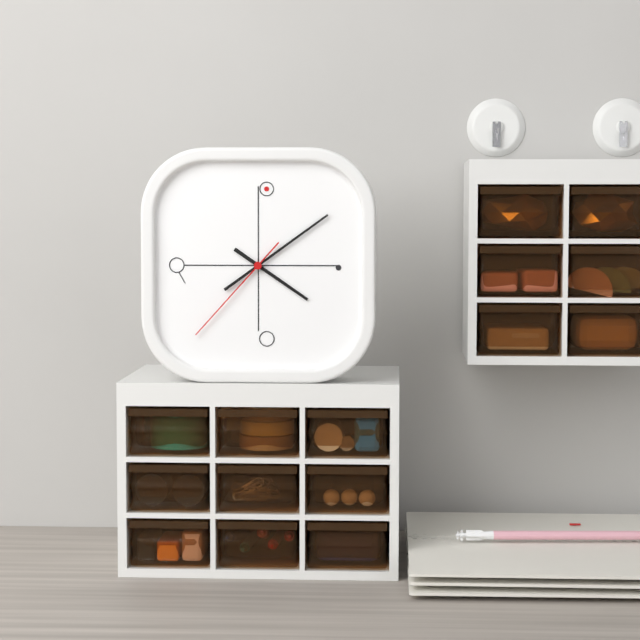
4.09.37
